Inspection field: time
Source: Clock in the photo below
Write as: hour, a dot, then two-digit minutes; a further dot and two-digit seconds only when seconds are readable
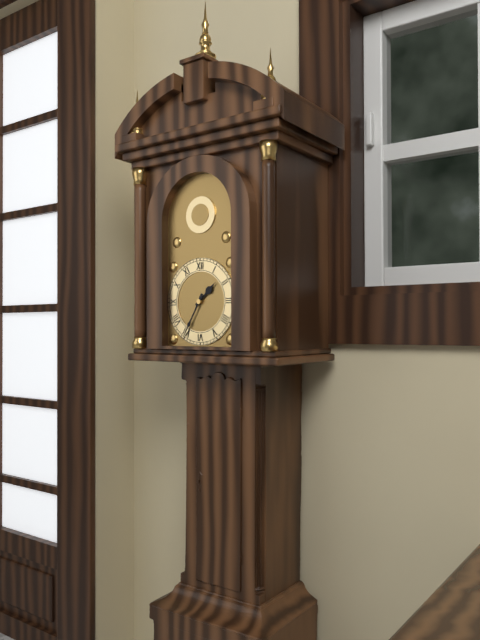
1.35
